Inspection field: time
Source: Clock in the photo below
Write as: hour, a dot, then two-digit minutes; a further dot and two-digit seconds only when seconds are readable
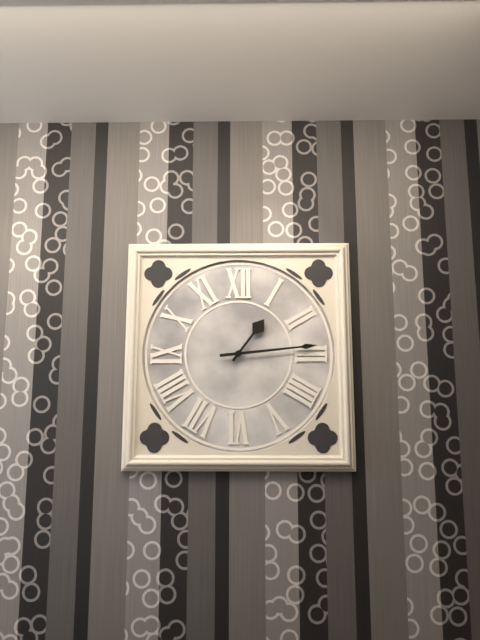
1.14
